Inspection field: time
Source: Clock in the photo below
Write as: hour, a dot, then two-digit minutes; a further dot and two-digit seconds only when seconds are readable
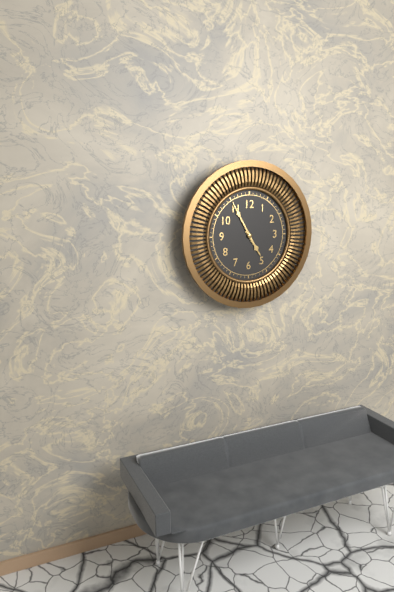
4.55
